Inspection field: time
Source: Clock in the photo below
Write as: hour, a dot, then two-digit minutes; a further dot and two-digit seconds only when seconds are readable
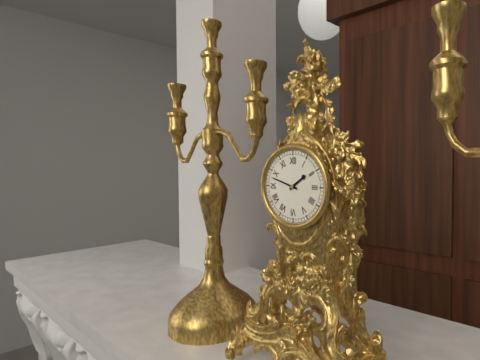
1.48
